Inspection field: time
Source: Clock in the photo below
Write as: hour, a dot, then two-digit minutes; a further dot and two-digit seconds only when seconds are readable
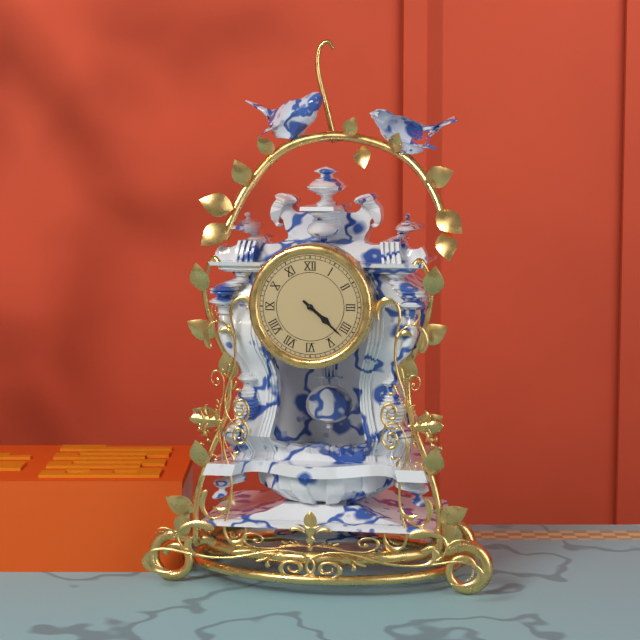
4.22
